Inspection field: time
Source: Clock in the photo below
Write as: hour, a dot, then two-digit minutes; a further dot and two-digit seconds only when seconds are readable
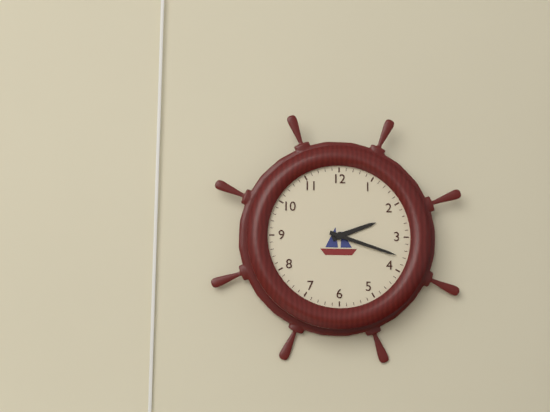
2.18
